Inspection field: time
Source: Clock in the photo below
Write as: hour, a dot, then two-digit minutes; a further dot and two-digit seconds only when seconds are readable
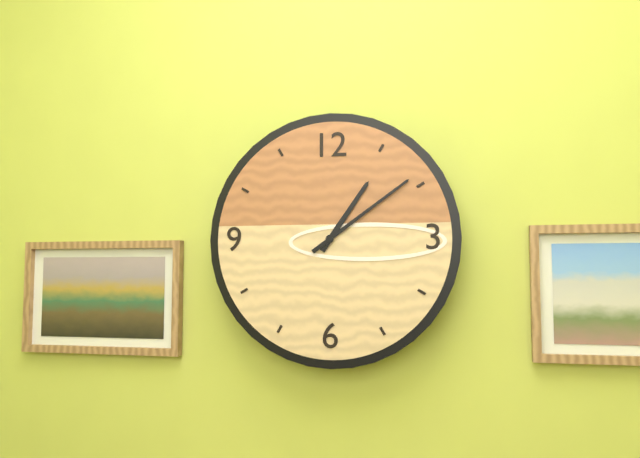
1.09
